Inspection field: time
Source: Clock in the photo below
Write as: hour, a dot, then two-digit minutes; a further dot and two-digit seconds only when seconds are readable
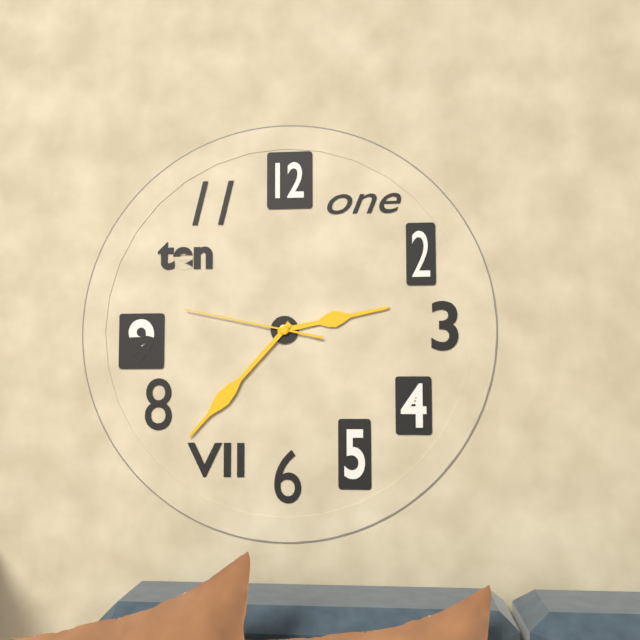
2.37.47
